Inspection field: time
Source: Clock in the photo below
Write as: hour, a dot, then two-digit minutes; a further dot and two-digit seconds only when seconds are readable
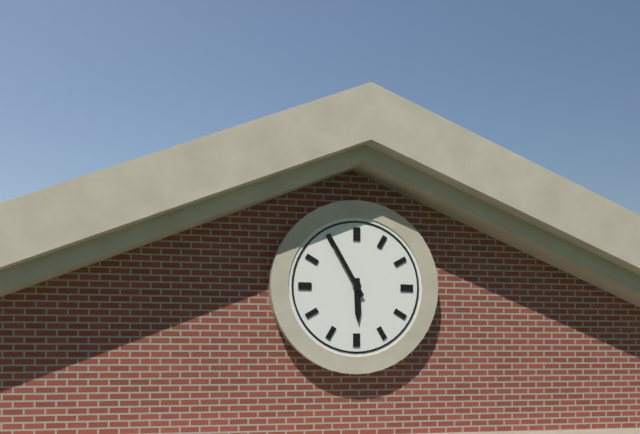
5.55
